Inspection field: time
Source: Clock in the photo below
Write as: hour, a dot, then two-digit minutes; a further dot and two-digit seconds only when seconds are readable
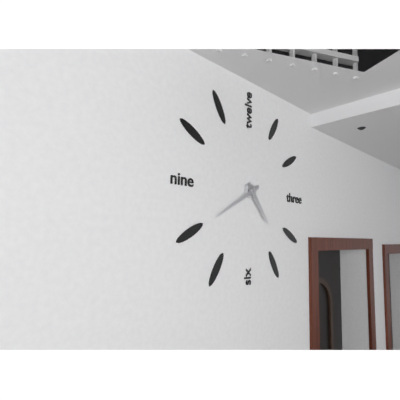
4.40
